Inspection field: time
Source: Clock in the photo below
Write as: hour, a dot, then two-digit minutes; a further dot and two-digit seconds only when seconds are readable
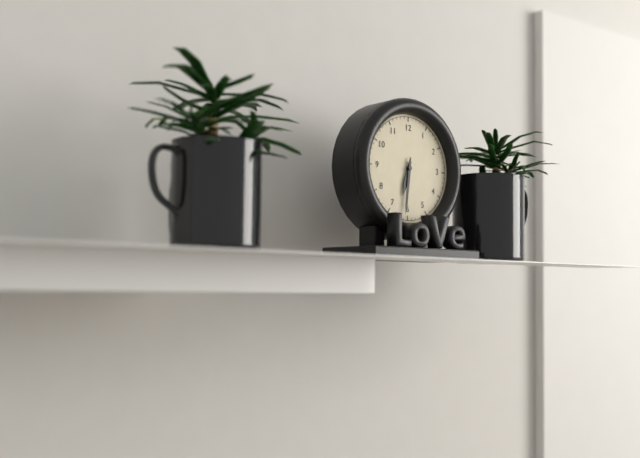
6.31
